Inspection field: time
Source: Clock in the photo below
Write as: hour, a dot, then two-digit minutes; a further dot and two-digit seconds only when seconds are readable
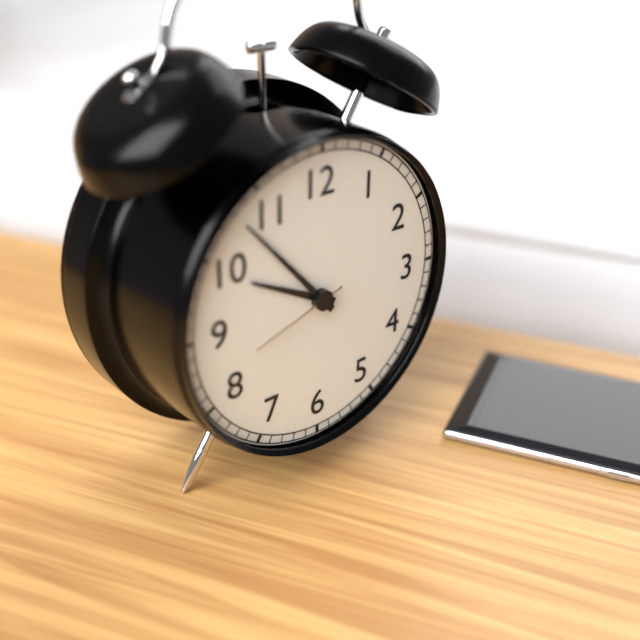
9.53.42
